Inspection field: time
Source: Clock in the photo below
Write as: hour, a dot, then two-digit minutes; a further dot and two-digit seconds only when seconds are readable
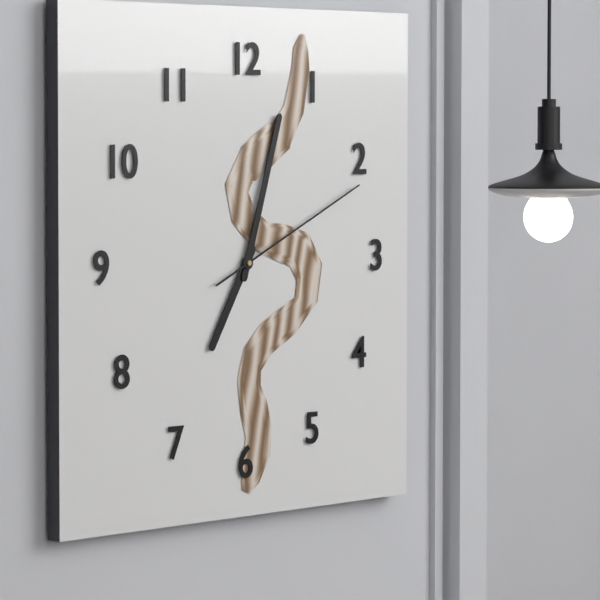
7.03.11
